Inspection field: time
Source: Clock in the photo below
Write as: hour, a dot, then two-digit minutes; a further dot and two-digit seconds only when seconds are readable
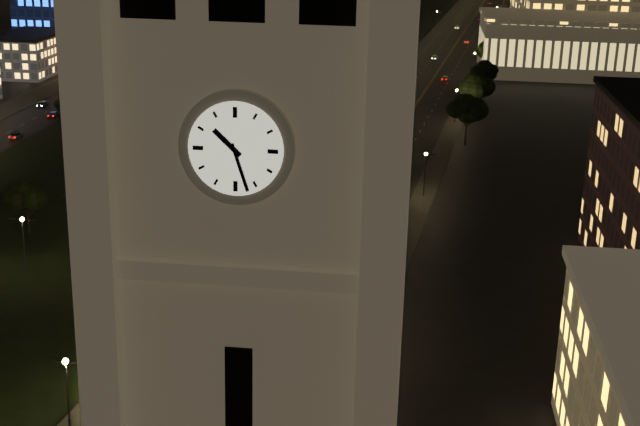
10.27
